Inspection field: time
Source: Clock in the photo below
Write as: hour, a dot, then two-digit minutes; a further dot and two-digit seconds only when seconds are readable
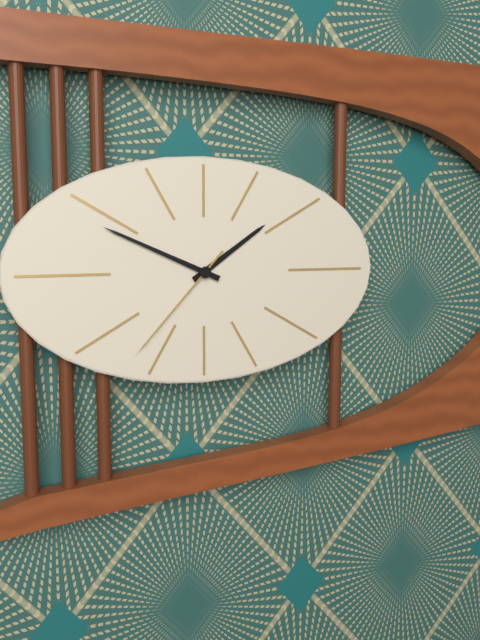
1.49.37
